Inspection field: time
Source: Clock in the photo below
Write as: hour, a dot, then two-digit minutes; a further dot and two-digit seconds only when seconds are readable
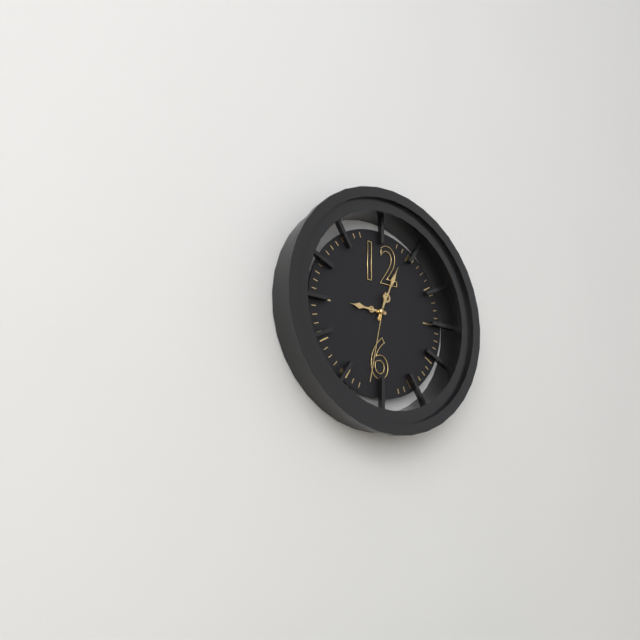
9.04.32
